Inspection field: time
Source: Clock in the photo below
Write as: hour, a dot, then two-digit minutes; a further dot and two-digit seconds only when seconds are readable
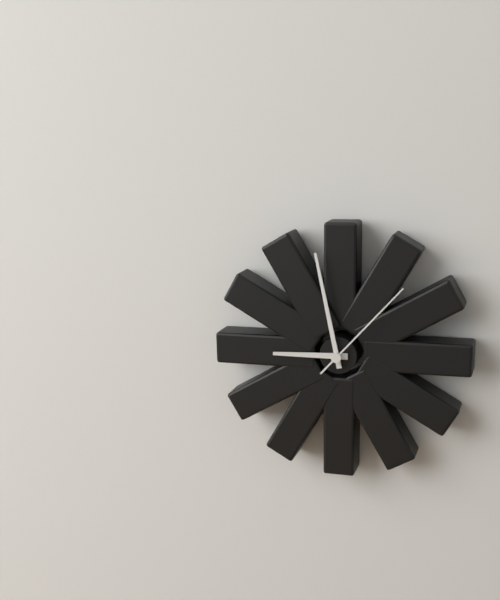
8.58.07
